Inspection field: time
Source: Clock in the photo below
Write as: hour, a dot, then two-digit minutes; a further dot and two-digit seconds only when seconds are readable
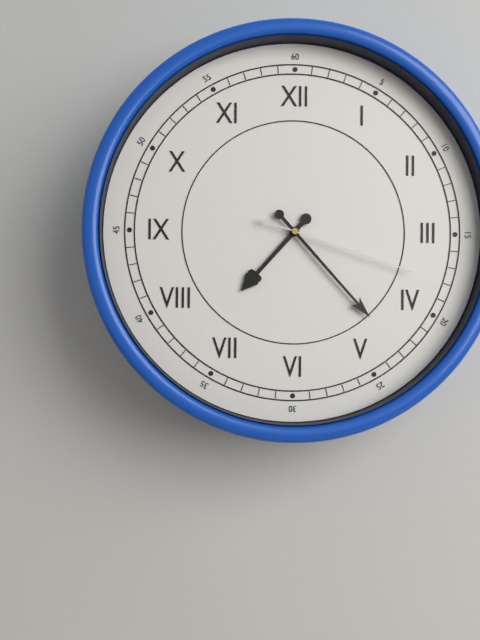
7.23.18
